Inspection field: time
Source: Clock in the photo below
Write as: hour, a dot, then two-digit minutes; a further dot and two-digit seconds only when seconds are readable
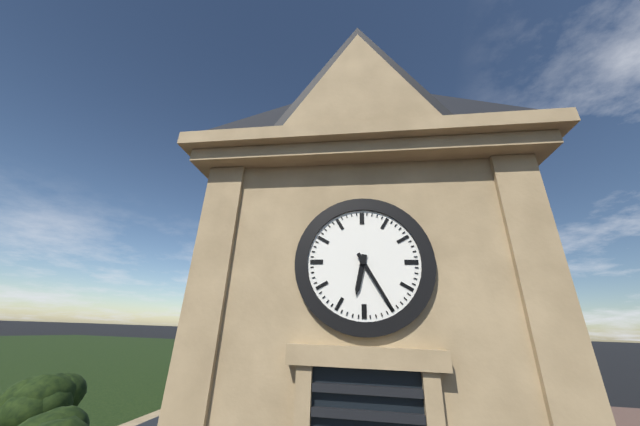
6.25
